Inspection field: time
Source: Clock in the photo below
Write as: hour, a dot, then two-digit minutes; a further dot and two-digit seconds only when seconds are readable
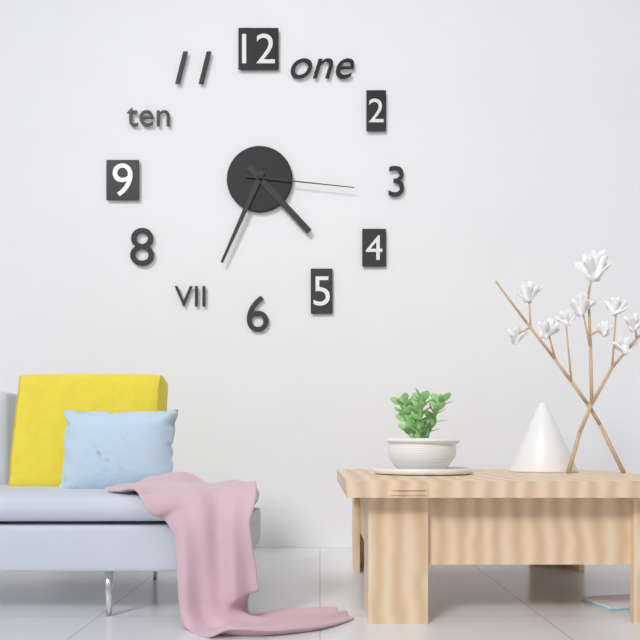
4.34.16
